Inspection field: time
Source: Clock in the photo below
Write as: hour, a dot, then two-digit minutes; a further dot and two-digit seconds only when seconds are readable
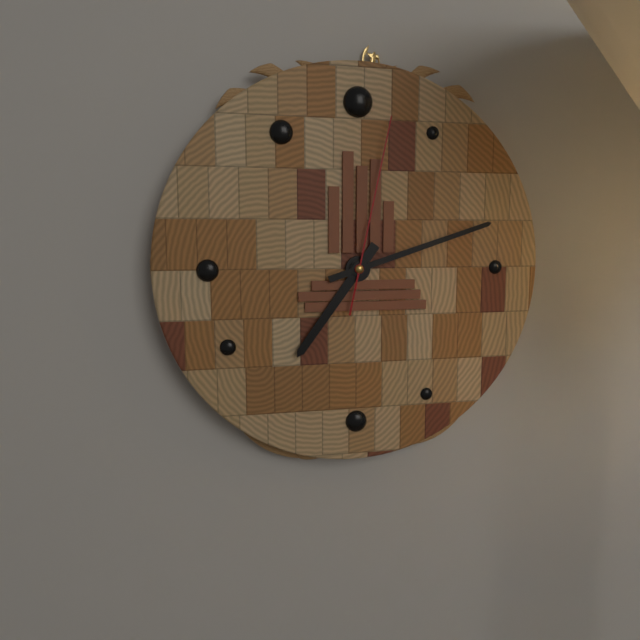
7.12.02
